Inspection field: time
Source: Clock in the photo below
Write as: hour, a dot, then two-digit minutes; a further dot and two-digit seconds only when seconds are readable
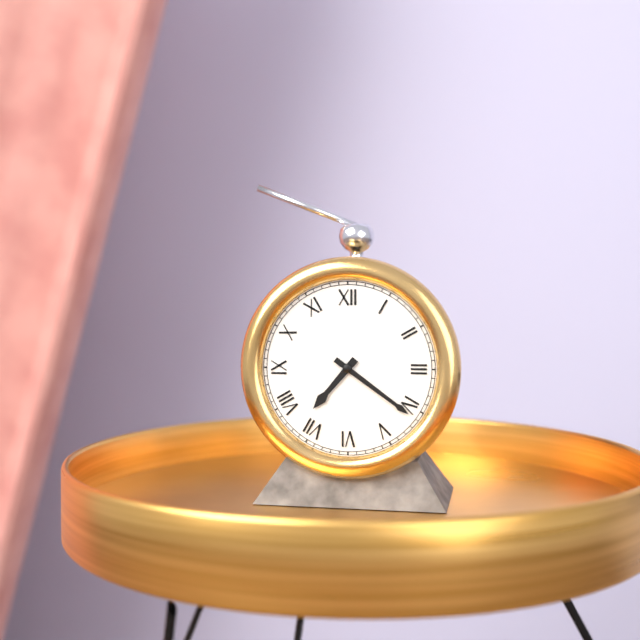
7.21
